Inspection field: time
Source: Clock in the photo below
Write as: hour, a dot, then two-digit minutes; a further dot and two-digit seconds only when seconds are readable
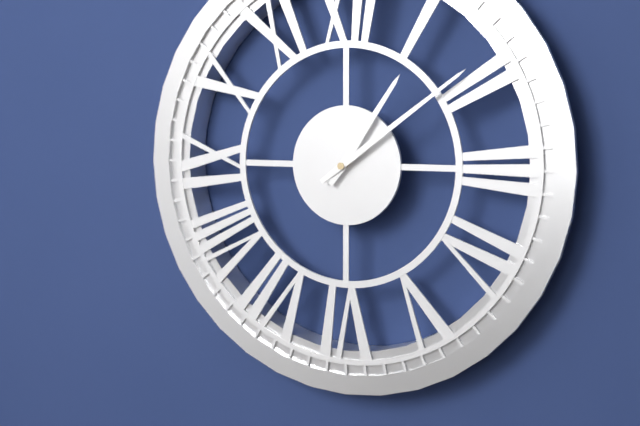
1.09
